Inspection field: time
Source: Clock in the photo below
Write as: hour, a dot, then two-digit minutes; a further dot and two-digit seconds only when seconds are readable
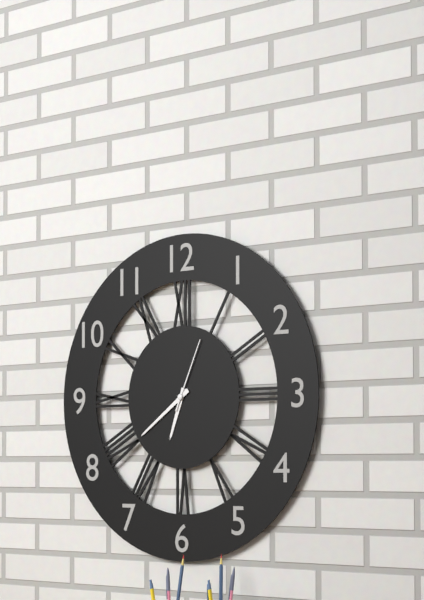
6.39.04
